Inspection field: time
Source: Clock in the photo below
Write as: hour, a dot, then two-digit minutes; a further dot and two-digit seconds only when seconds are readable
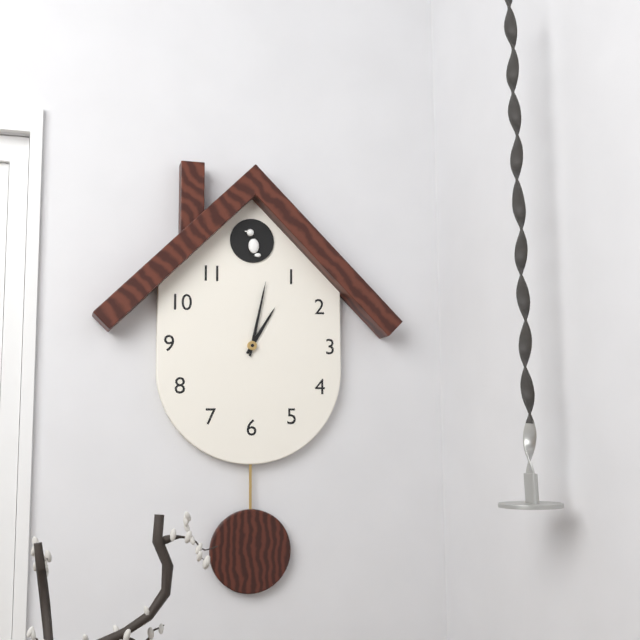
1.02
